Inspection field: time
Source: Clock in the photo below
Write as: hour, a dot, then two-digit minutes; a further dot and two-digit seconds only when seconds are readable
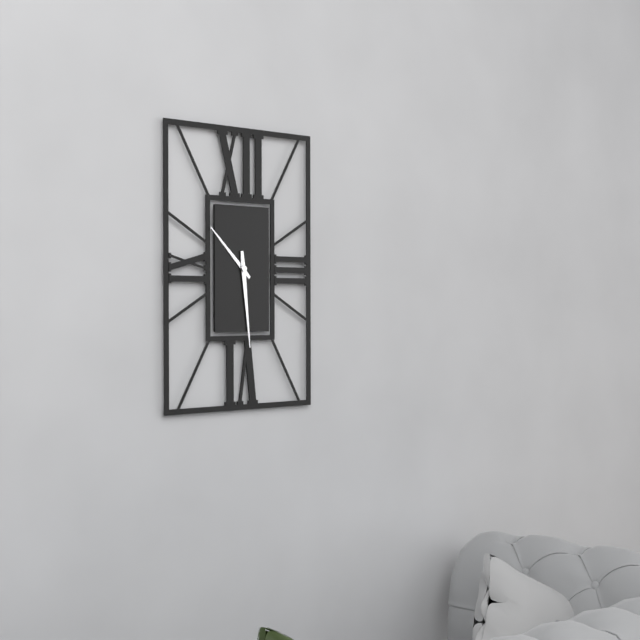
10.29
